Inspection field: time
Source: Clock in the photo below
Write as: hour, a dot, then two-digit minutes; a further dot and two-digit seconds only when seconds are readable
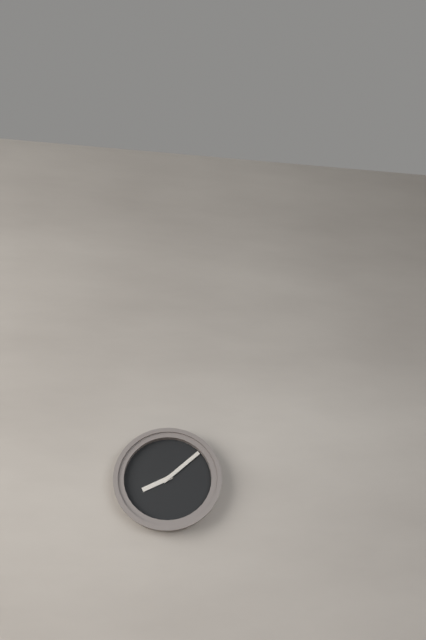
8.08
